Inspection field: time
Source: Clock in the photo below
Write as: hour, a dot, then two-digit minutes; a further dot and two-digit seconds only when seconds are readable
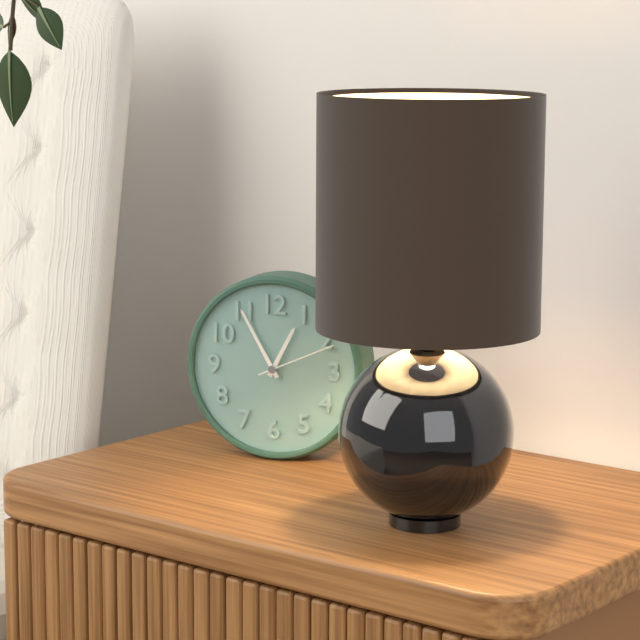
12.55.11
